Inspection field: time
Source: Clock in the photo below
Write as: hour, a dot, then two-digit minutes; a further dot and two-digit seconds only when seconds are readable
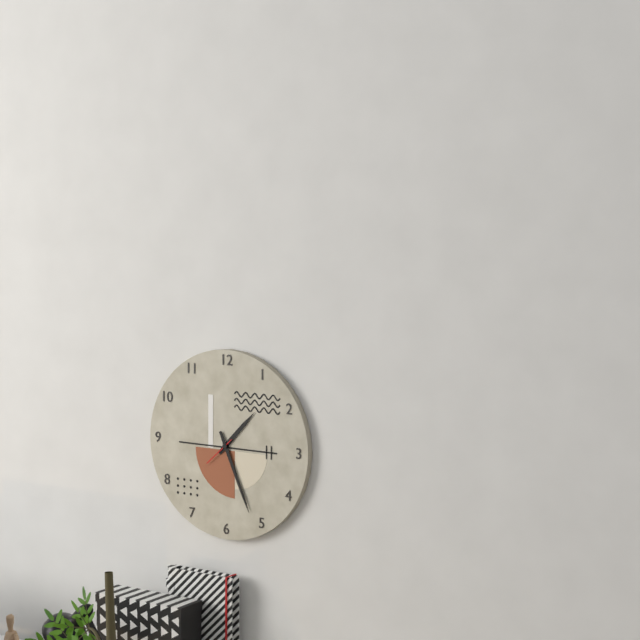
1.26
